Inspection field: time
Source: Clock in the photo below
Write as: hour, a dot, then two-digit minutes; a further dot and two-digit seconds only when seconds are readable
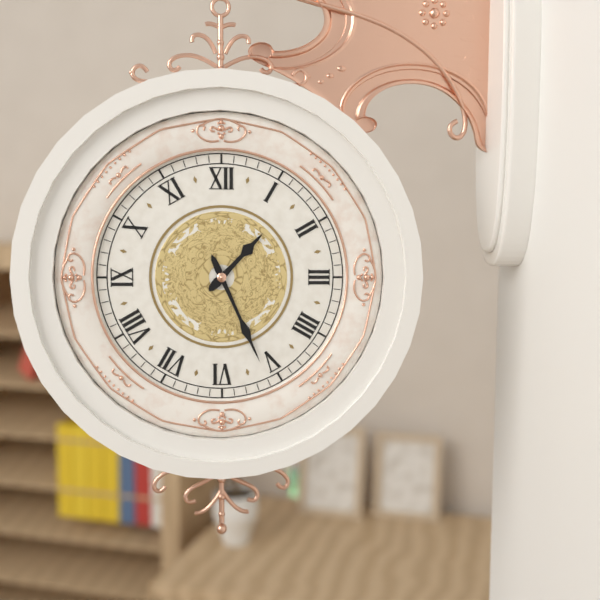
1.26
